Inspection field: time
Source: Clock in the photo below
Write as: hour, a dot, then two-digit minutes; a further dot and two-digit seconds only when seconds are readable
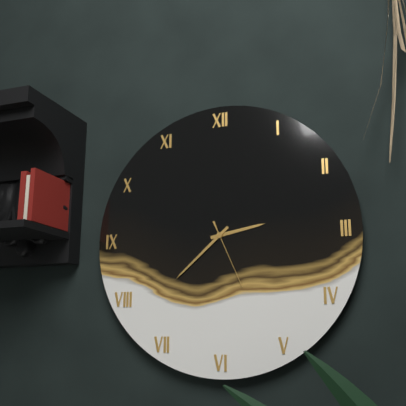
2.38.26
